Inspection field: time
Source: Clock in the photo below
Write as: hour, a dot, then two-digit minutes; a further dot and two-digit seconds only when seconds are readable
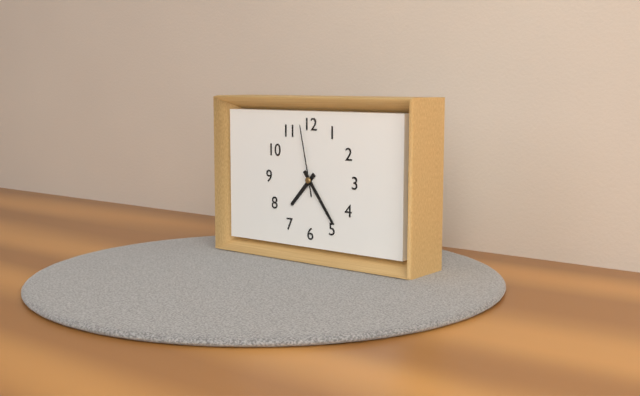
7.24.58
